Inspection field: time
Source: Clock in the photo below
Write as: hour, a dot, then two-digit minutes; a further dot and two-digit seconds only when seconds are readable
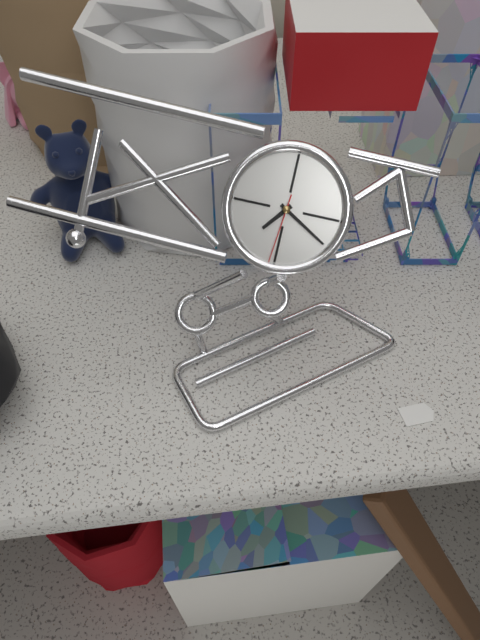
7.20.31
